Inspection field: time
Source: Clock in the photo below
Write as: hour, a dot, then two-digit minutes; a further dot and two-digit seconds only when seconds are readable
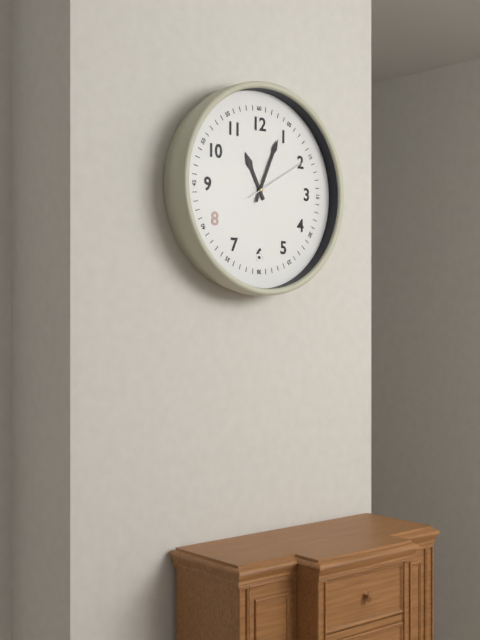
11.04.10
